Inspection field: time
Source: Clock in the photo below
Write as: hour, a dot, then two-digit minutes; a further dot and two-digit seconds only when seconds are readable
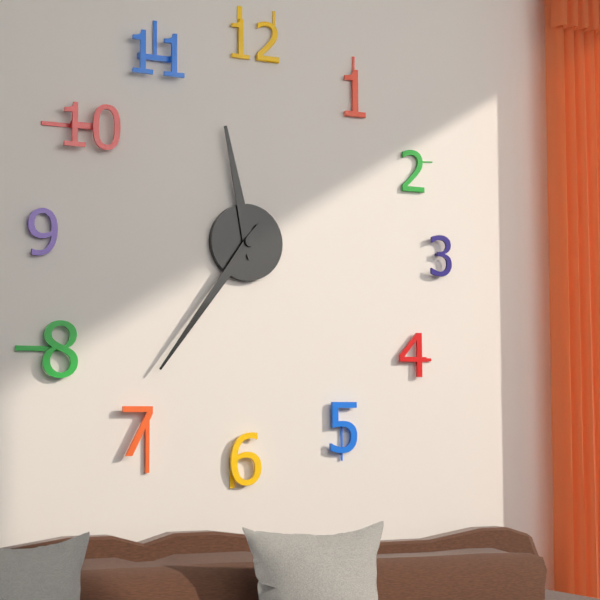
11.36
